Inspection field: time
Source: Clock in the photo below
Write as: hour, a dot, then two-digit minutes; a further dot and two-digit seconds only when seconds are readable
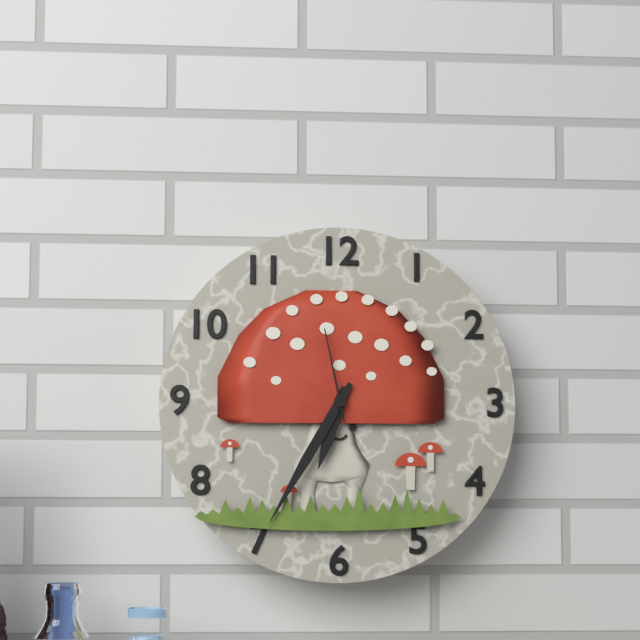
6.35.58
